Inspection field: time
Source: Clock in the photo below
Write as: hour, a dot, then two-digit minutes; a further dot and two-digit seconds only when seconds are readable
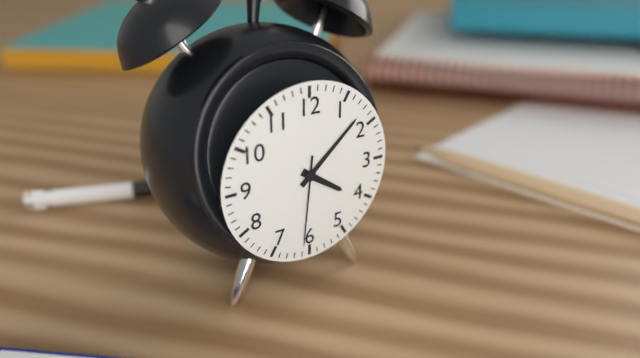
4.08.31
